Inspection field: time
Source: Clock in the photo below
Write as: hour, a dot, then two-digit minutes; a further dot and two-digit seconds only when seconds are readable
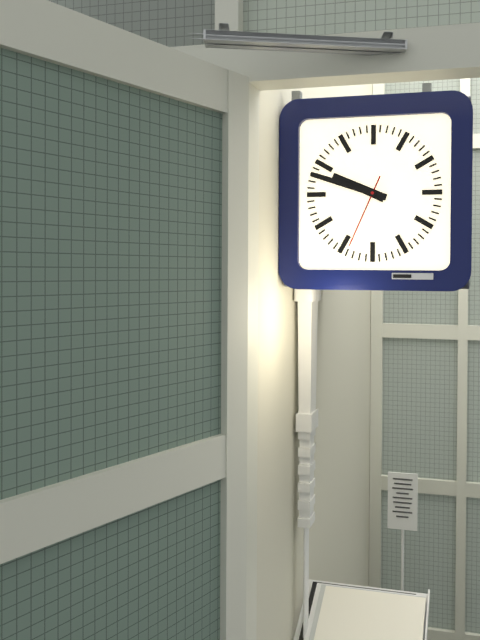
9.48.34
